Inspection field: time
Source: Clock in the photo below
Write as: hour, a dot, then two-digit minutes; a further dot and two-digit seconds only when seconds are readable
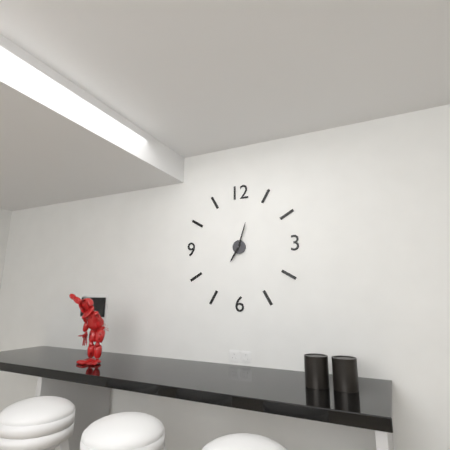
7.03
